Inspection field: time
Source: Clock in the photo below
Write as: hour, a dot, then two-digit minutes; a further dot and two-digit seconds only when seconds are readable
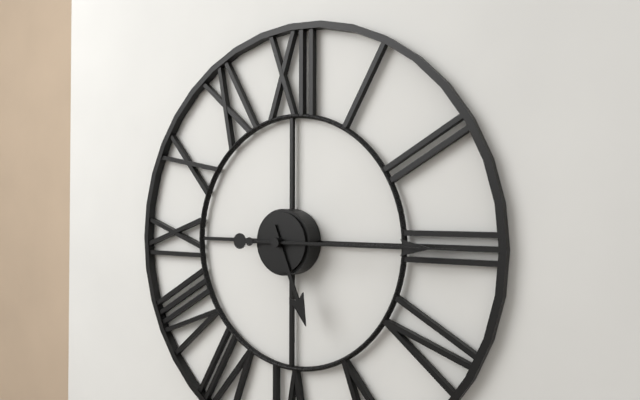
5.15.15
